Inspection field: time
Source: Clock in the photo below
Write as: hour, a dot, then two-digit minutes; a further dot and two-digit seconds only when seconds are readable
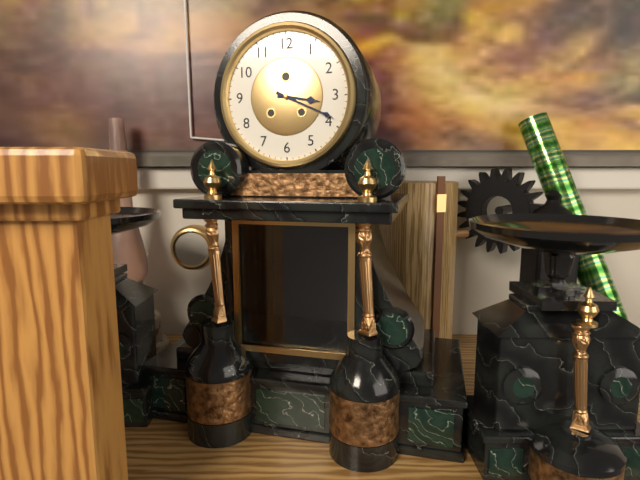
3.19
